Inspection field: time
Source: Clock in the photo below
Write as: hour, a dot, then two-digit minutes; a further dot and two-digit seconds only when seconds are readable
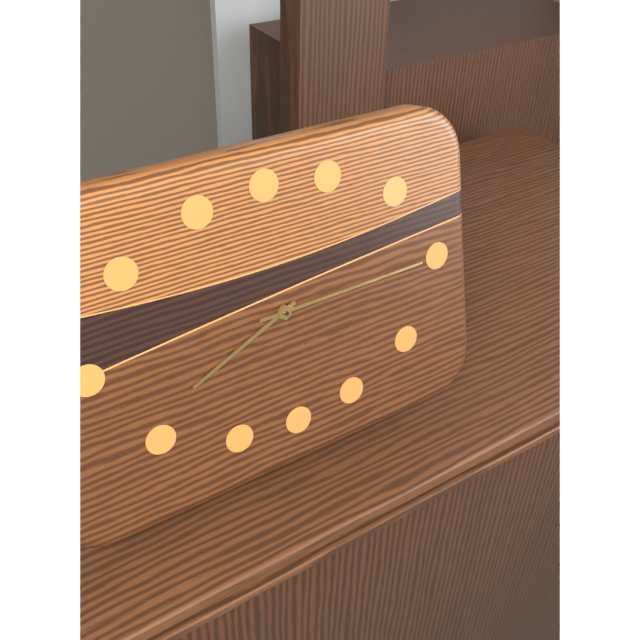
8.15
